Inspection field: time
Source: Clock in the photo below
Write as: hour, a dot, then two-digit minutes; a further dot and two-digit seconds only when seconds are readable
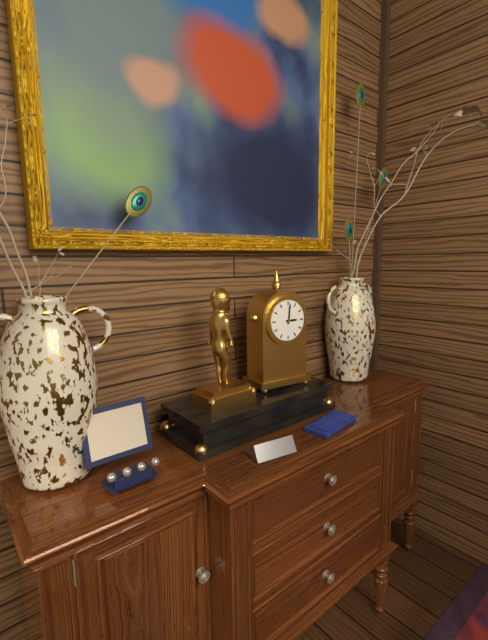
3.01
